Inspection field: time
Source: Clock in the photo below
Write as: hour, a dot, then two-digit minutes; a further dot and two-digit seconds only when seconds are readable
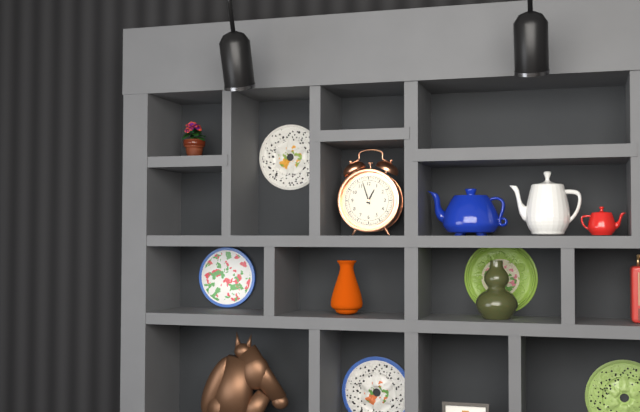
12.57
